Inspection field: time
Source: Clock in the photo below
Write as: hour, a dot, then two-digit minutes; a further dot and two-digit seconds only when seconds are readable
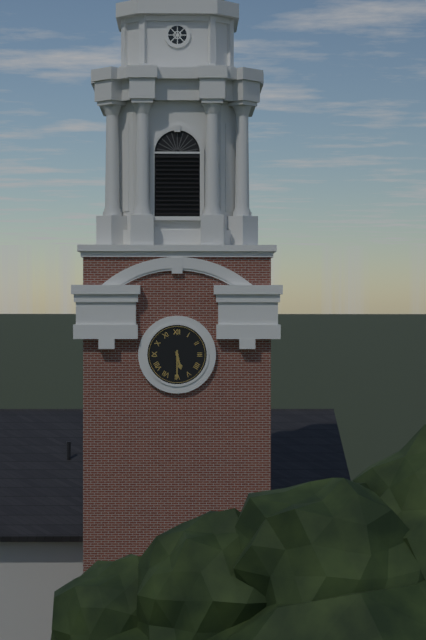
5.30
